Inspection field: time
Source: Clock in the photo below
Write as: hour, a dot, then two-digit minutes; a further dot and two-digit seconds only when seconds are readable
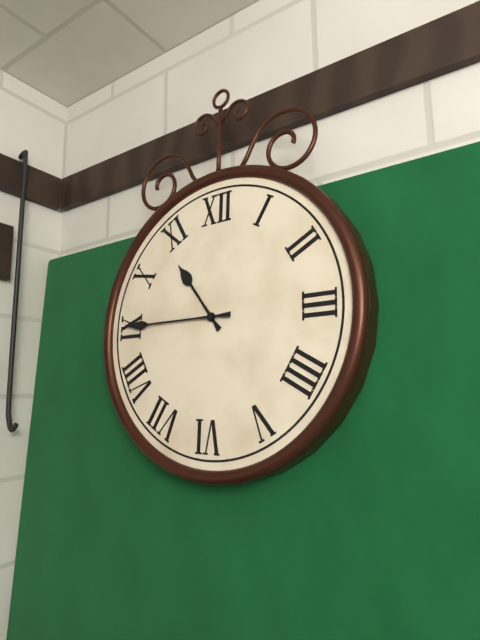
10.45
